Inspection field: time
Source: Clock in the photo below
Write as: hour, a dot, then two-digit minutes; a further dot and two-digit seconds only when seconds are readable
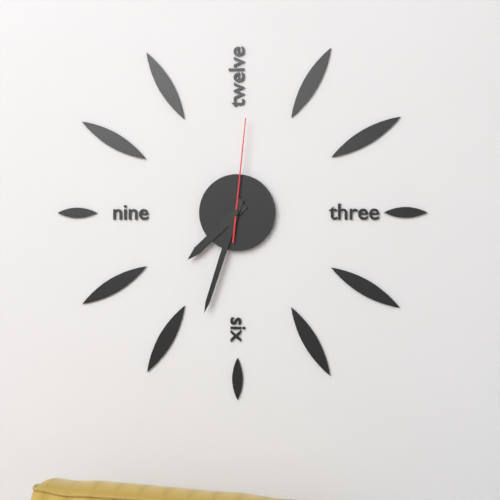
7.33.01
